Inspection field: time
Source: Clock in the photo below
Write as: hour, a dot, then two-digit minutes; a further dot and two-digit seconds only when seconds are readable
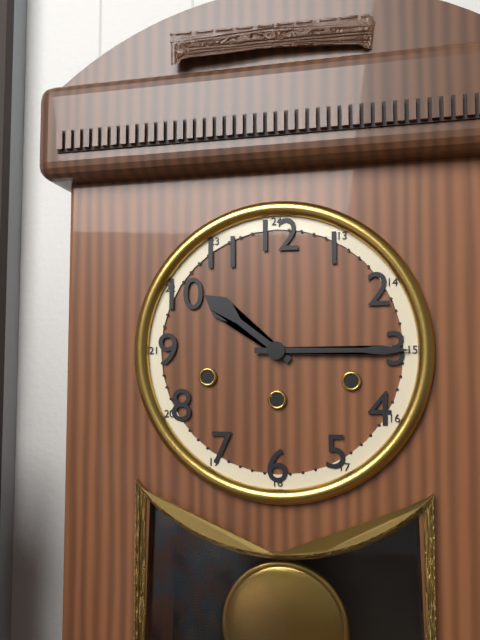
10.15
